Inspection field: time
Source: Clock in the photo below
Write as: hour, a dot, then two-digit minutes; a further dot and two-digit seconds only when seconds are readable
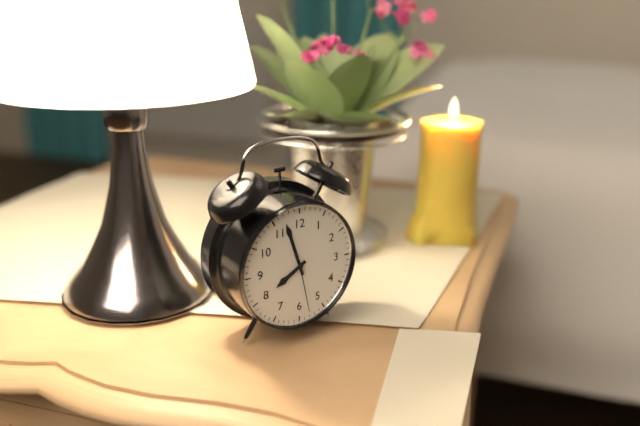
7.57.28
